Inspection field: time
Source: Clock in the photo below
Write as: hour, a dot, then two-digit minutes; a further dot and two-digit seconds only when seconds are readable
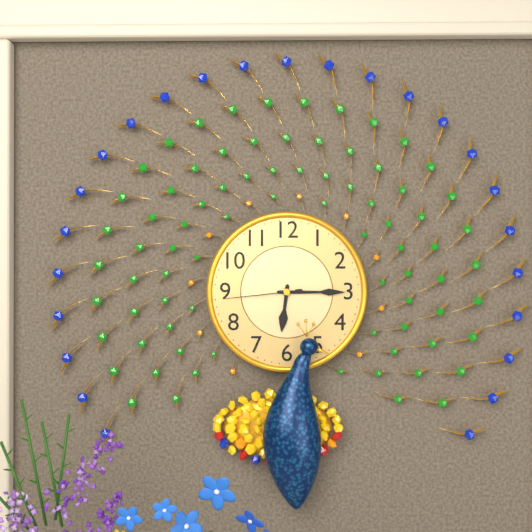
6.15.44
